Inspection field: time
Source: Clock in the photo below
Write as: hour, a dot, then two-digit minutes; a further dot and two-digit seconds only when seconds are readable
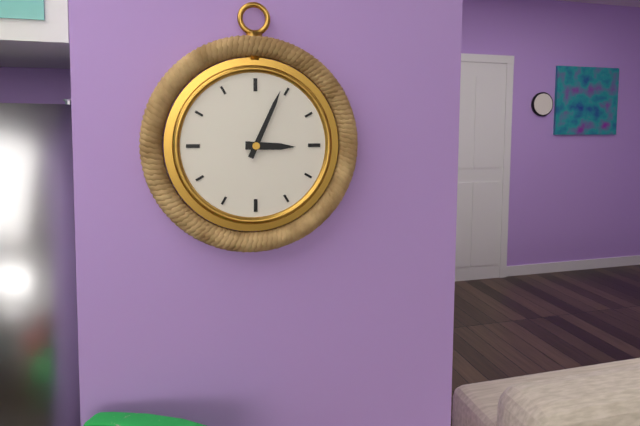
3.04
